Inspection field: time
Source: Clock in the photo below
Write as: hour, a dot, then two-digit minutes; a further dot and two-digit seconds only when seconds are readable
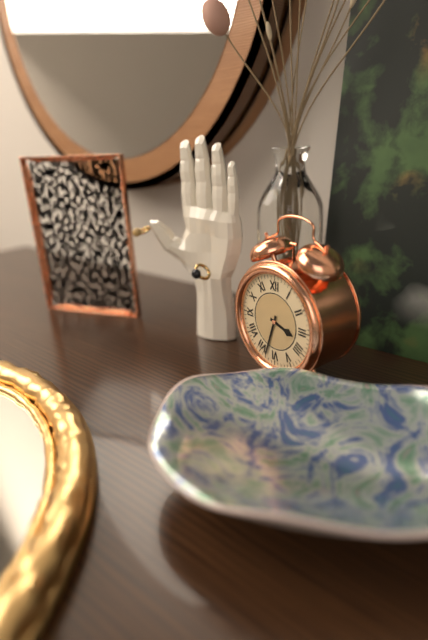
3.33
